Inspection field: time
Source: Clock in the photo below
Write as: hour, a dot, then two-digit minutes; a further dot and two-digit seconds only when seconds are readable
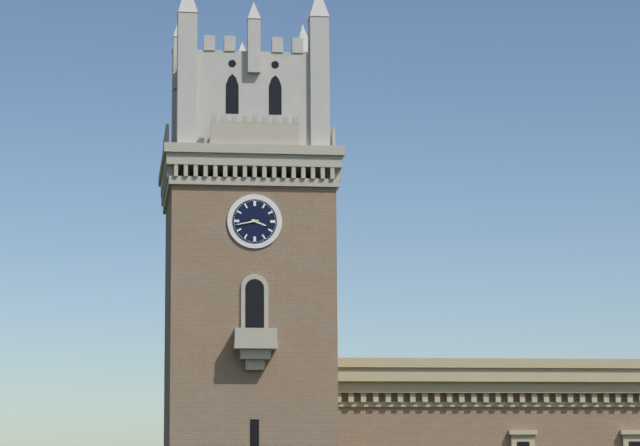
3.43
